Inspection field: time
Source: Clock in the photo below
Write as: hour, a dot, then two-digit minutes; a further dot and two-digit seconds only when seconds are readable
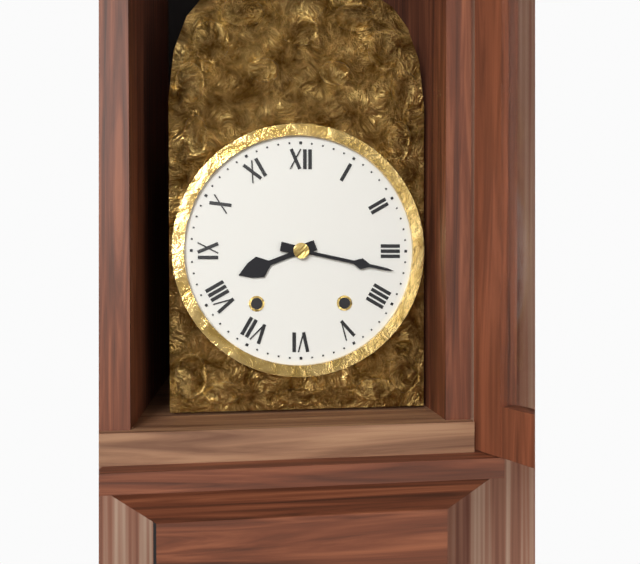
8.17
